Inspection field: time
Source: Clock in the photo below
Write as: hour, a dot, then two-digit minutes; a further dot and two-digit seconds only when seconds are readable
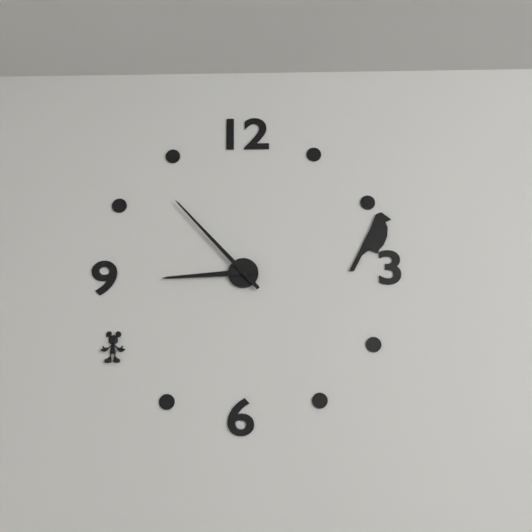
8.53
